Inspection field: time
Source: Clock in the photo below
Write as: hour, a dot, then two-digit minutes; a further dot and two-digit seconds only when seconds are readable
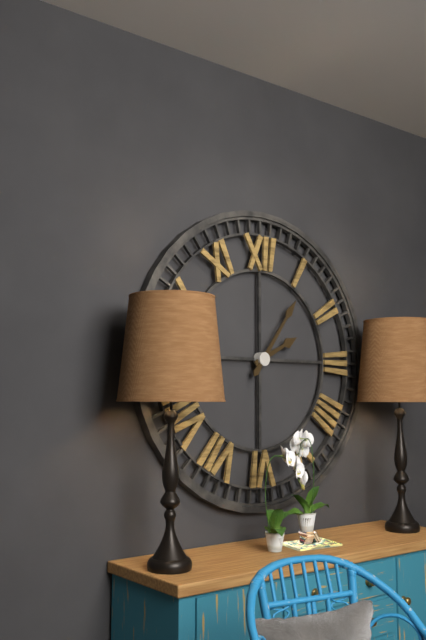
2.06
